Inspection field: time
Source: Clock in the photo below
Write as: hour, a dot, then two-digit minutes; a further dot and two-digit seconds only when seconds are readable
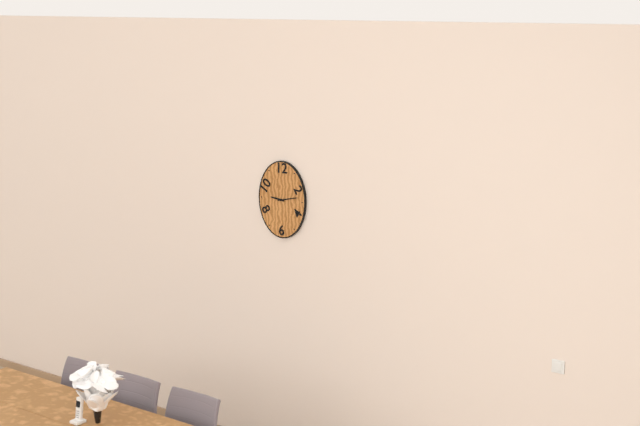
9.13
